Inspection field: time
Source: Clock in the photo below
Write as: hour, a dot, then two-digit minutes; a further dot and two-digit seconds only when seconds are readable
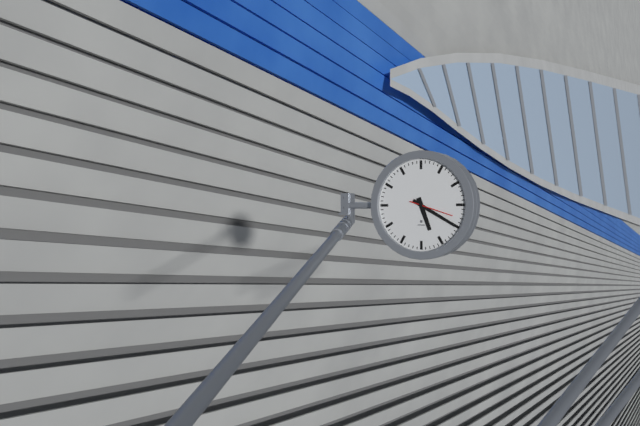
5.20
